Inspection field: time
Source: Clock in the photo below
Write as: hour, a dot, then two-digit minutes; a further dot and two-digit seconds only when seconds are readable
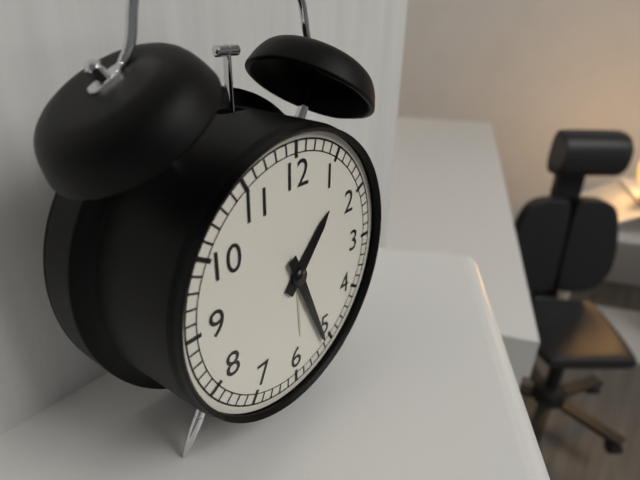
1.26
